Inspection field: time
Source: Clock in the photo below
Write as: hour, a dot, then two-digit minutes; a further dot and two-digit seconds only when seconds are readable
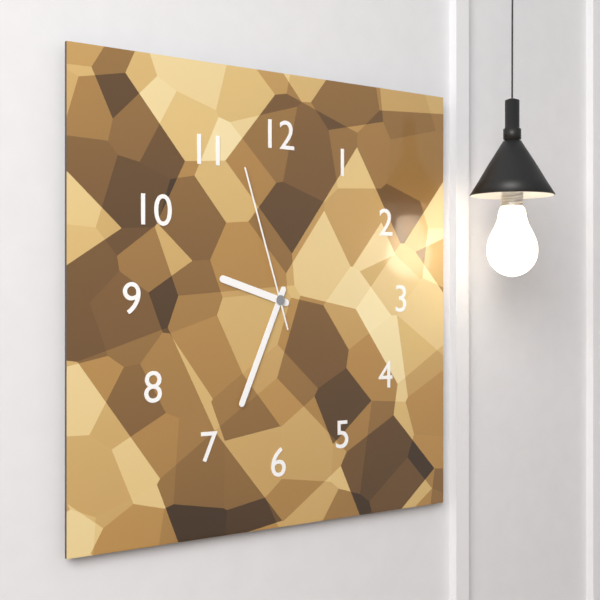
9.34.57
